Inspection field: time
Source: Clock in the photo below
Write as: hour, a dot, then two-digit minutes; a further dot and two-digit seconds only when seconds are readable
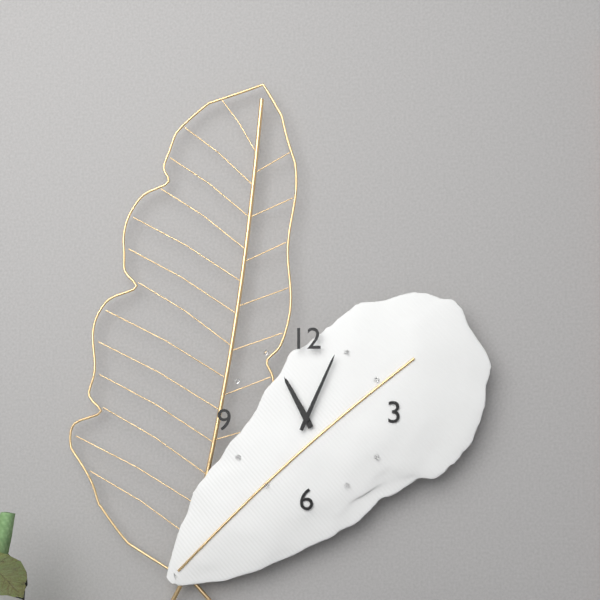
11.04
